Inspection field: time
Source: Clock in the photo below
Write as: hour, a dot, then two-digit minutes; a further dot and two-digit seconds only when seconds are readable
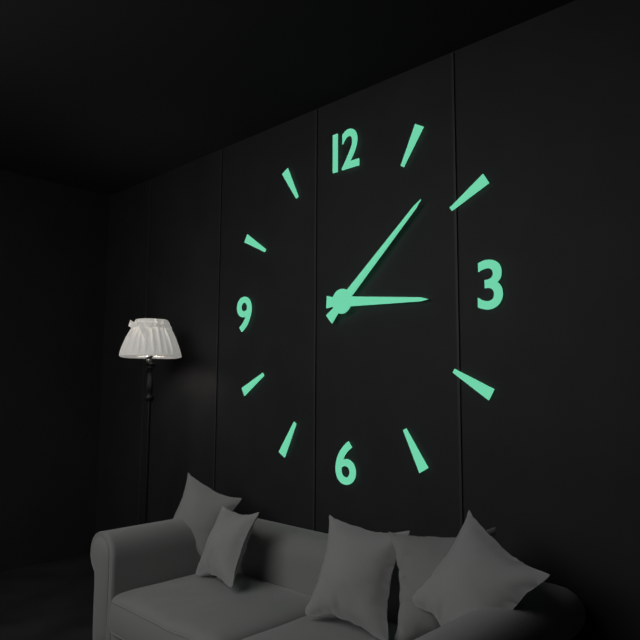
3.08
